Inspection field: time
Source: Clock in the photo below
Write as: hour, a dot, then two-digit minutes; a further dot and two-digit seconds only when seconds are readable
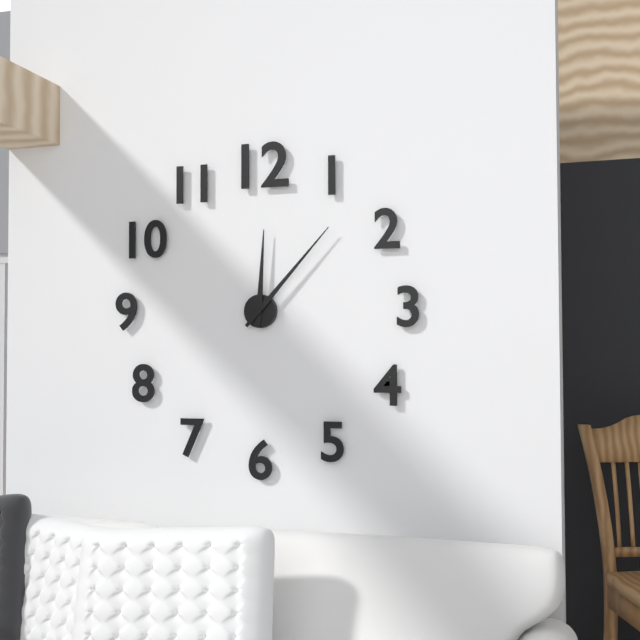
12.07
